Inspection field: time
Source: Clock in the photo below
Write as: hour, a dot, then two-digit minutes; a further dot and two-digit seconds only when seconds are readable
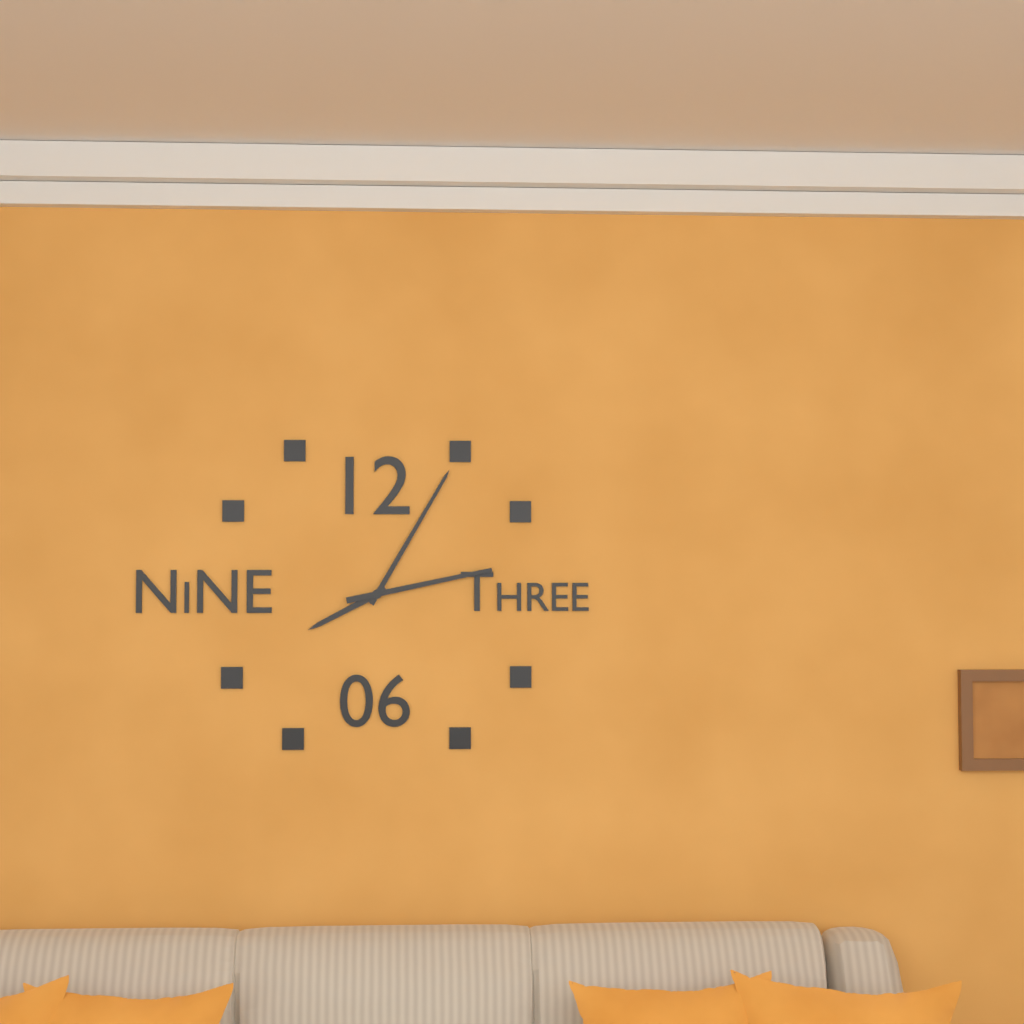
8.05.13
